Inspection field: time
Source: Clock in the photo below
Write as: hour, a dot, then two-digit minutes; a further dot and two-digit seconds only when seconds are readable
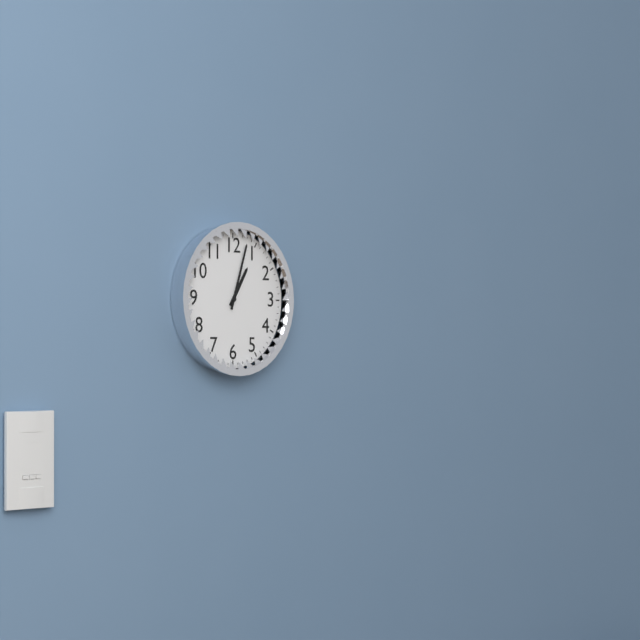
1.03
